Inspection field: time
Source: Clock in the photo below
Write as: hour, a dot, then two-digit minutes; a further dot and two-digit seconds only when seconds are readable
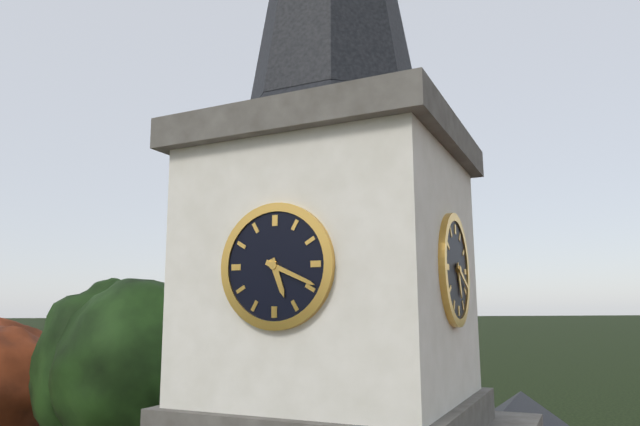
5.19
